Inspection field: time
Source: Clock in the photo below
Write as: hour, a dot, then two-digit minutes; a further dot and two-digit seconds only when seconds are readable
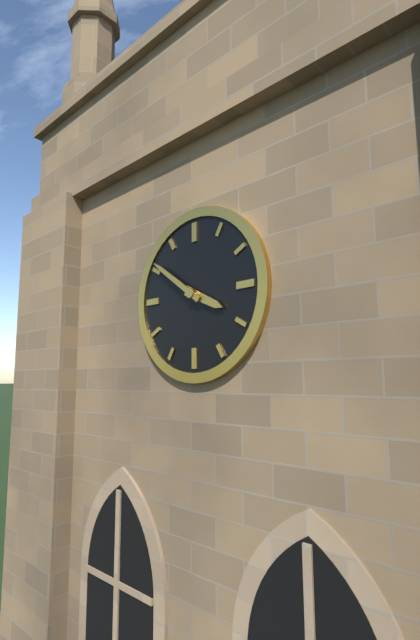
3.51
